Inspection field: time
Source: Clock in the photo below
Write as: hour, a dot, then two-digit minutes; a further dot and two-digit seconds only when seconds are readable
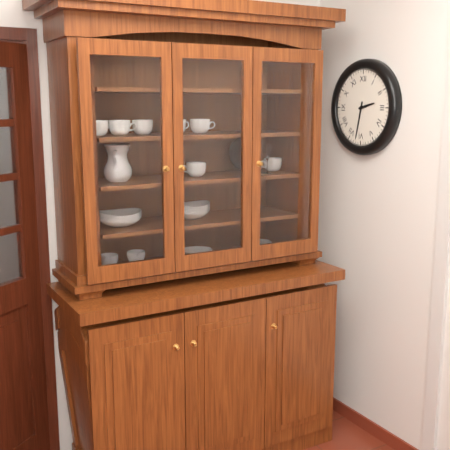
2.32
